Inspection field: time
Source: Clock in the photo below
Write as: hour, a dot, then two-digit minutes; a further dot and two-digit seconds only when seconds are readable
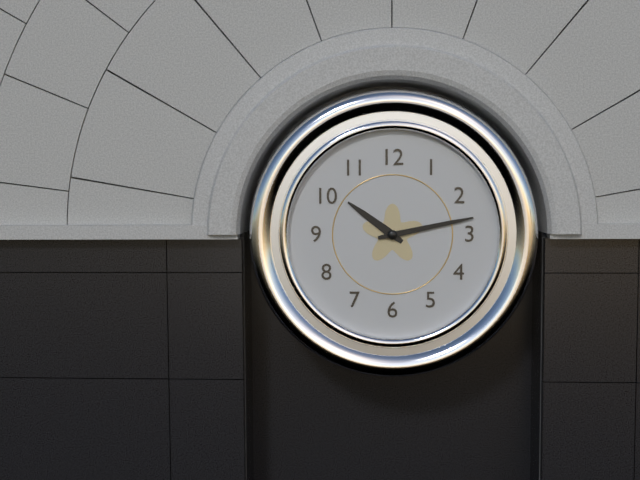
10.13
